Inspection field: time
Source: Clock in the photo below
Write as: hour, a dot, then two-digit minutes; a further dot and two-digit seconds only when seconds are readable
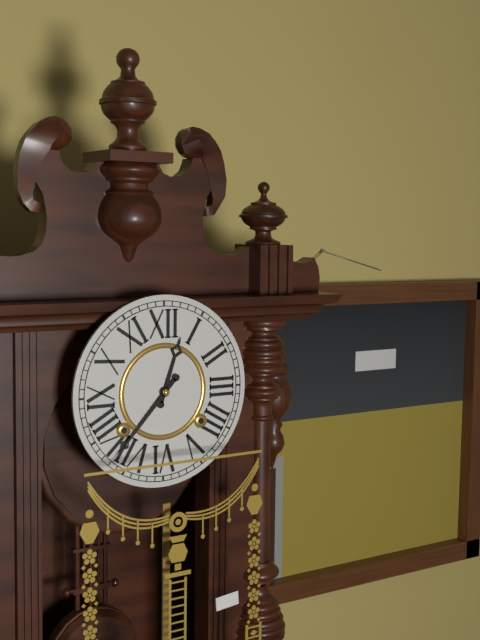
12.37
